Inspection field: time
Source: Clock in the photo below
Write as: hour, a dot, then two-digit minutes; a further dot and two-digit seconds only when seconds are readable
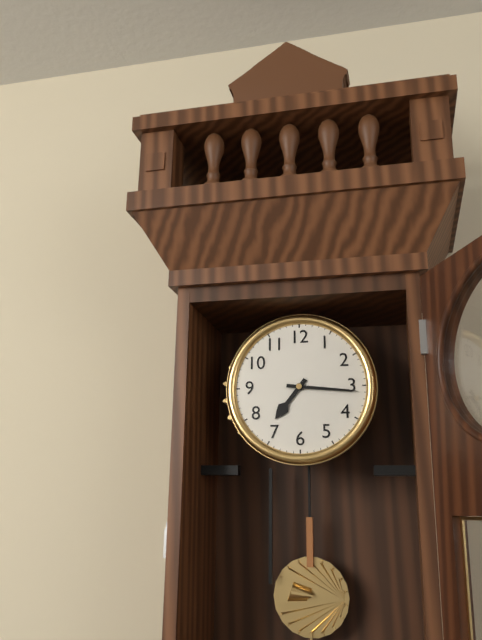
7.16
